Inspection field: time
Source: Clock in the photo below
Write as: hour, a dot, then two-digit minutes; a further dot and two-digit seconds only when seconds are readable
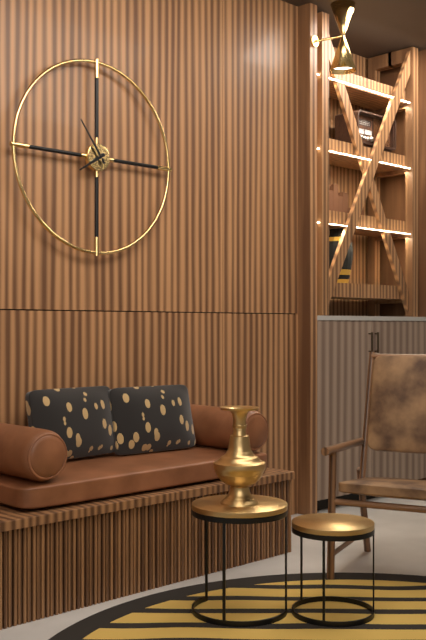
7.54
